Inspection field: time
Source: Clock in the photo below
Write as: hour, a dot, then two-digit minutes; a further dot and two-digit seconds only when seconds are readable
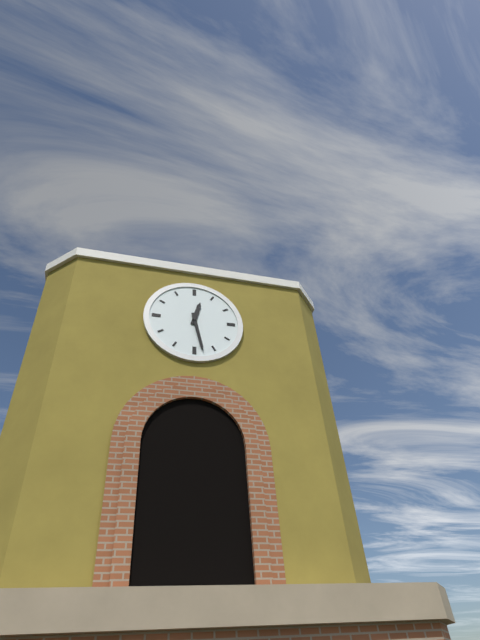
12.28
